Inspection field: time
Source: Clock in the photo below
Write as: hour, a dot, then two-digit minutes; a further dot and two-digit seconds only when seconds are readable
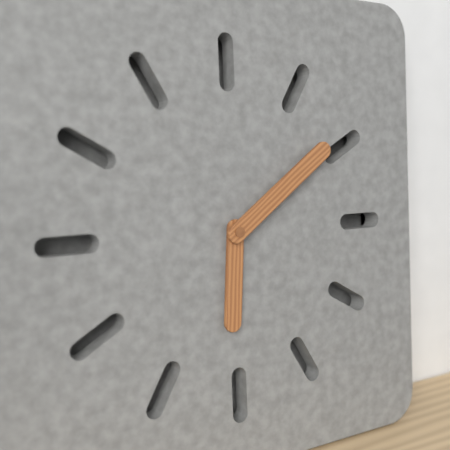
6.09
